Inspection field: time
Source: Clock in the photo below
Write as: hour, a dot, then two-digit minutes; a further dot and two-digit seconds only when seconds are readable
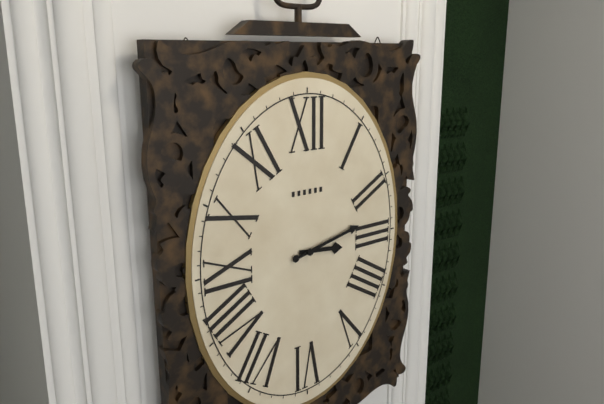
3.13
